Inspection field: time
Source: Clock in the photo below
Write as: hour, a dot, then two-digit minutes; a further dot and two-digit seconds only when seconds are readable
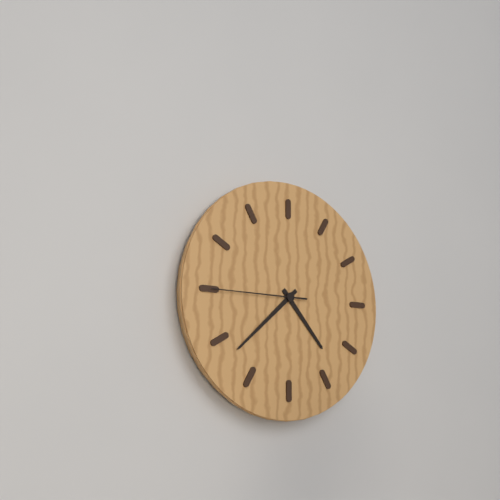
4.38.45
